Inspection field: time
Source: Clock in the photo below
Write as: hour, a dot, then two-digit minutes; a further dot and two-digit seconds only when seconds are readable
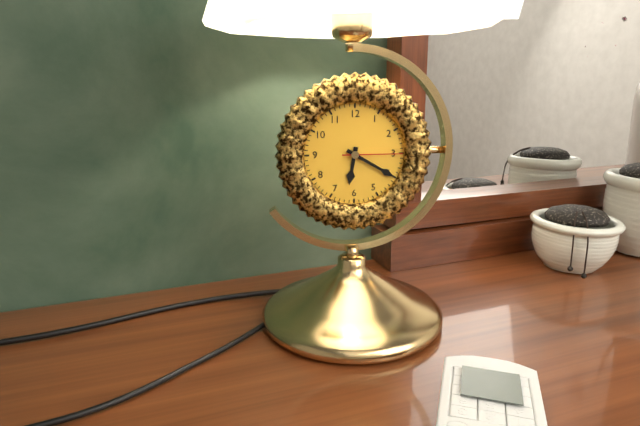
6.20.15
